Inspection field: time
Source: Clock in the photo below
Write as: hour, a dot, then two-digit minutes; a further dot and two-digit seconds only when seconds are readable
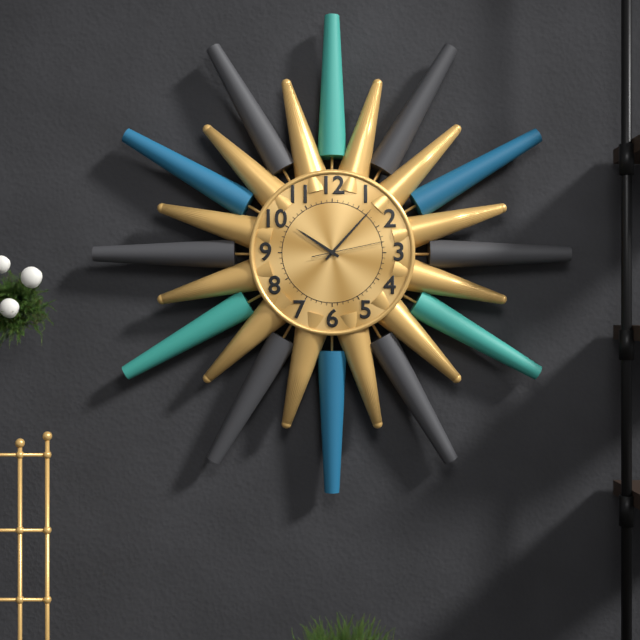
10.07.13
